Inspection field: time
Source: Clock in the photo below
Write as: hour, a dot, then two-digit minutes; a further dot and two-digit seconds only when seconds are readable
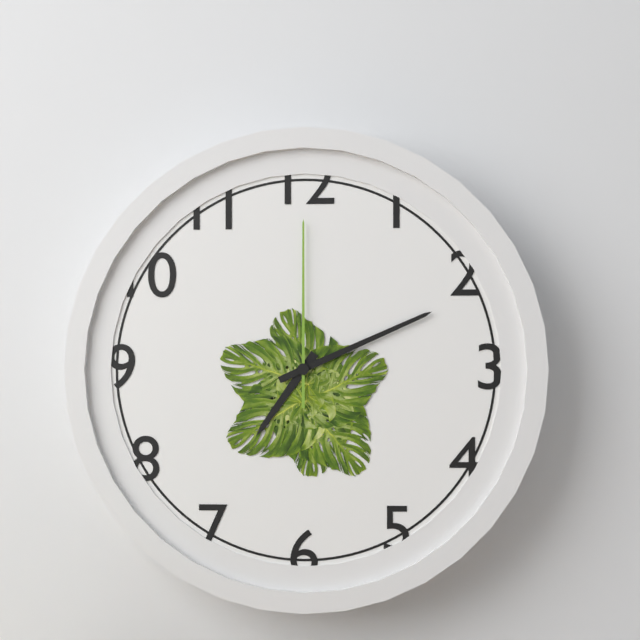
7.11.00
